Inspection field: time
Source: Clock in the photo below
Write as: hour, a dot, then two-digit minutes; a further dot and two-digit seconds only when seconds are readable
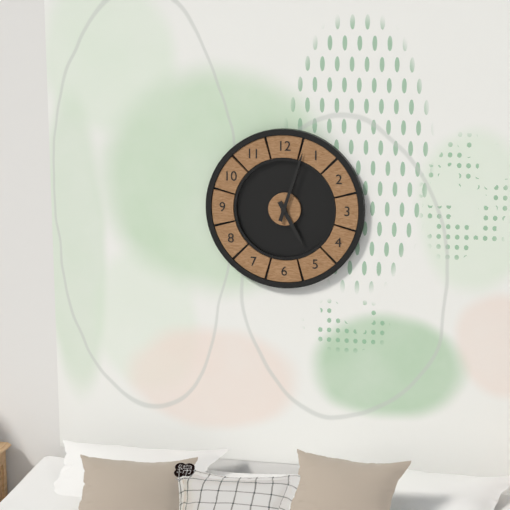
5.03
